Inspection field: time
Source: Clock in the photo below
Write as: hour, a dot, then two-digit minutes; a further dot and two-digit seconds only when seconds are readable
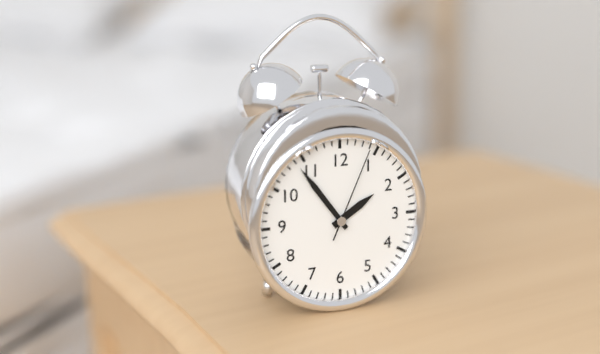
1.54.04
